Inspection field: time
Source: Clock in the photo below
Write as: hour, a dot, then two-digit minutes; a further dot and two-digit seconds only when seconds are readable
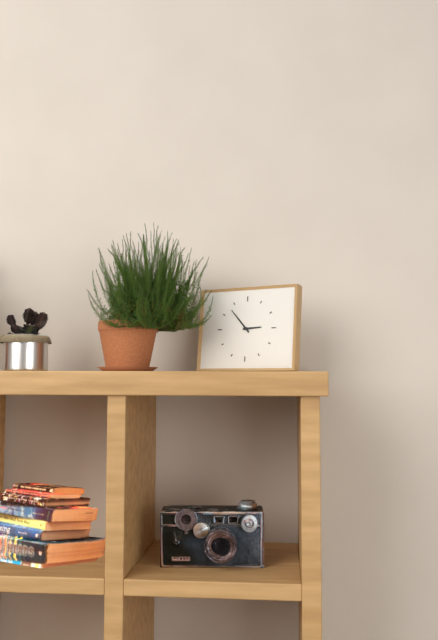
2.53
